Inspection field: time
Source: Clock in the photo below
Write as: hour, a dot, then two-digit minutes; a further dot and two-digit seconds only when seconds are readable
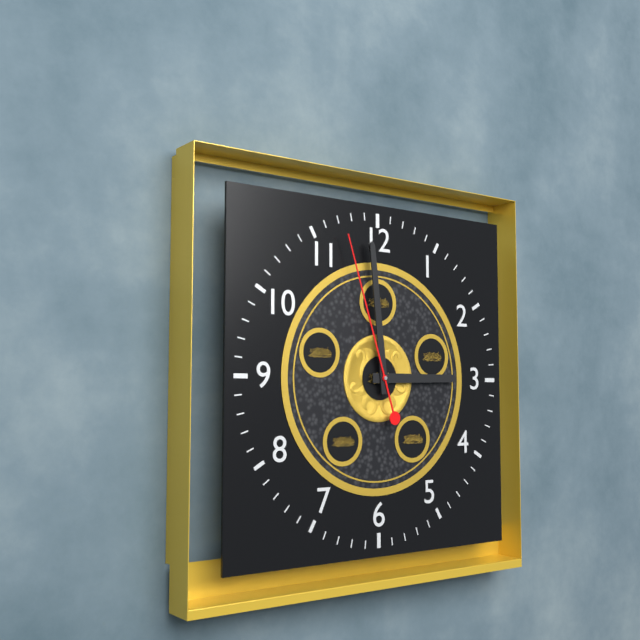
2.59.57
